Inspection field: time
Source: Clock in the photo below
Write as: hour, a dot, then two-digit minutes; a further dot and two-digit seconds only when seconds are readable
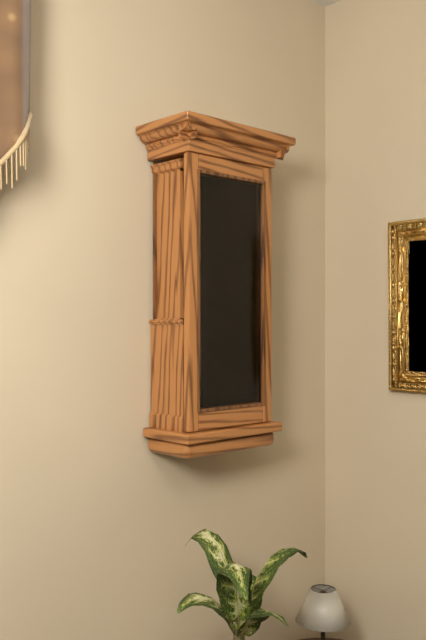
9.29
